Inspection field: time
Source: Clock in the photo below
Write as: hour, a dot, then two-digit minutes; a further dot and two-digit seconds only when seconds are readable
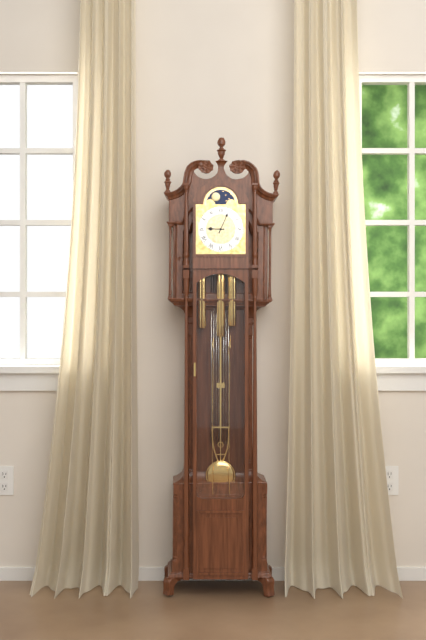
9.04
